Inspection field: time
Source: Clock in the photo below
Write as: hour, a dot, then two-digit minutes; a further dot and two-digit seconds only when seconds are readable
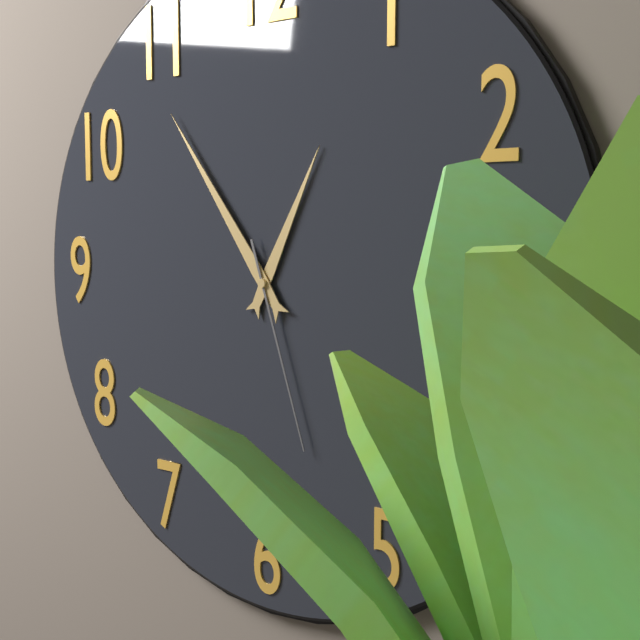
12.54.27
